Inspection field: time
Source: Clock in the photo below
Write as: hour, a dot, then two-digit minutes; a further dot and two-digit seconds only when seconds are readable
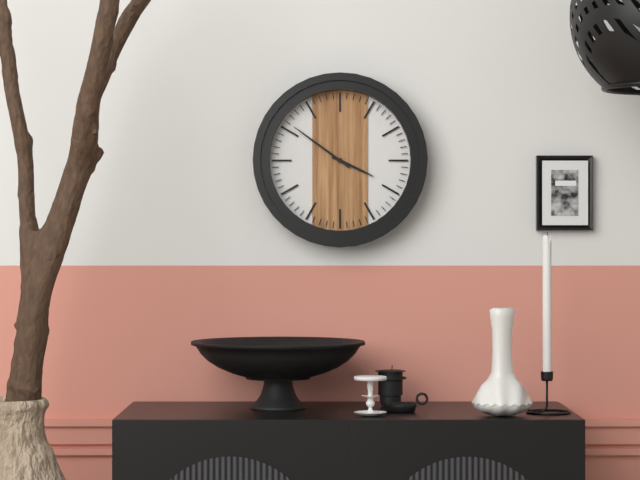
3.51
